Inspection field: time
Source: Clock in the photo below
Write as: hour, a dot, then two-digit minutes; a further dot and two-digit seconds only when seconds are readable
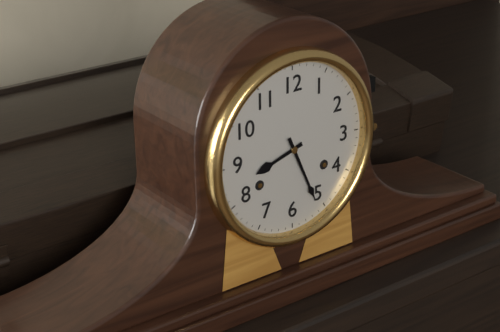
8.26
